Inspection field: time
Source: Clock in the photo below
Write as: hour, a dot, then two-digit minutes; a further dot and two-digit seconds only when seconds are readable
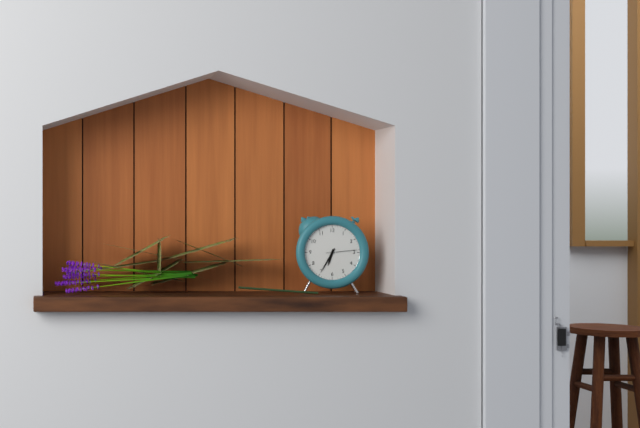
6.35
